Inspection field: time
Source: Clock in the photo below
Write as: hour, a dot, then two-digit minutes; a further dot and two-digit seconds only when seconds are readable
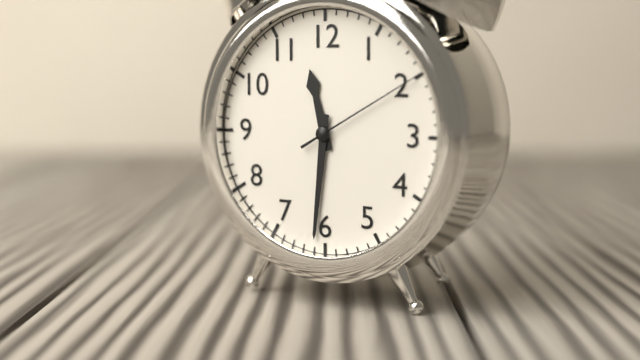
11.31.10
